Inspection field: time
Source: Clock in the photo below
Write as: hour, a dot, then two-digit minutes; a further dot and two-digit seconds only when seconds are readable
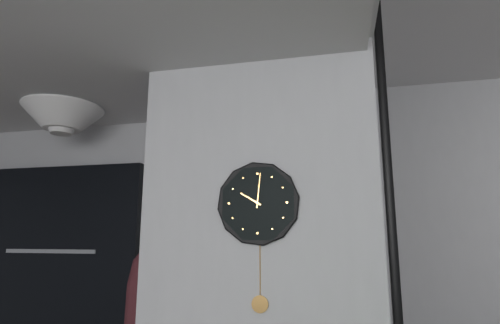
10.01
